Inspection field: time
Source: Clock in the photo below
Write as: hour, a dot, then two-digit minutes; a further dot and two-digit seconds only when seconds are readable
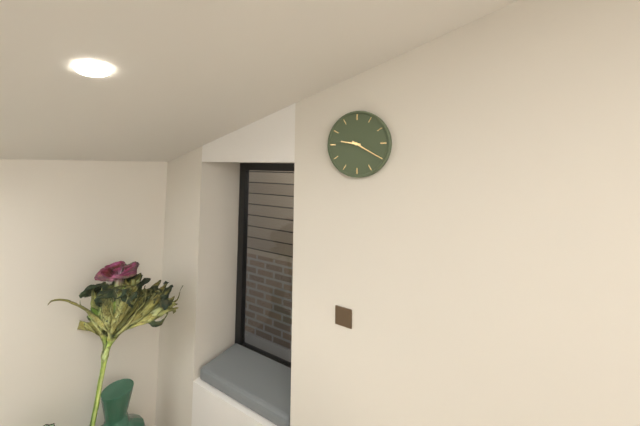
9.20
